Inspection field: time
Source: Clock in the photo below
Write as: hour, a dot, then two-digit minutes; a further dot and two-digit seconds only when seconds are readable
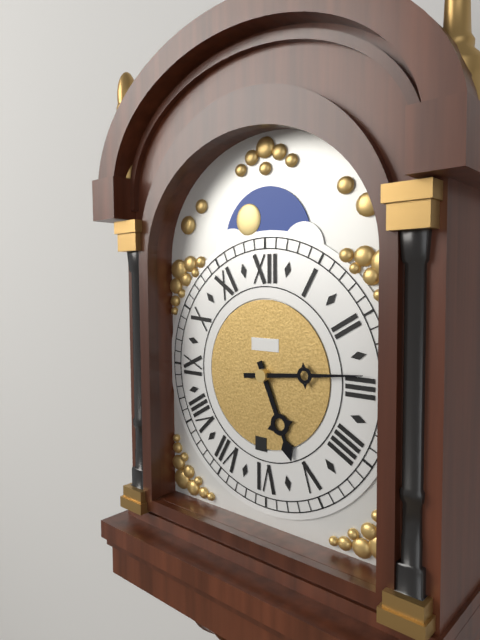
5.14
